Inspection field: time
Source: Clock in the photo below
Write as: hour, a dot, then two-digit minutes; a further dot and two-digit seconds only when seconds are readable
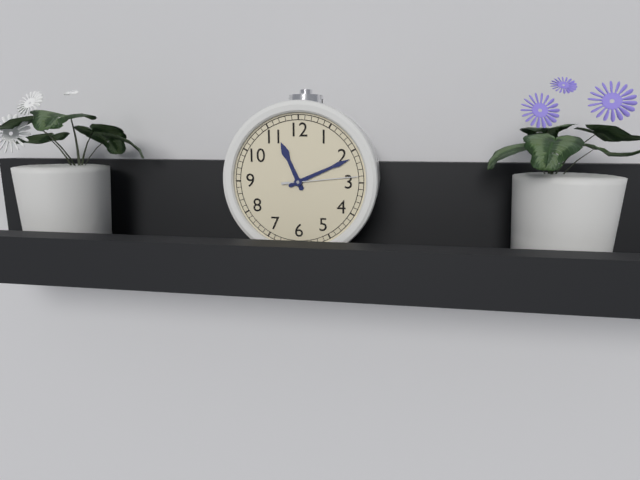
11.11.14
